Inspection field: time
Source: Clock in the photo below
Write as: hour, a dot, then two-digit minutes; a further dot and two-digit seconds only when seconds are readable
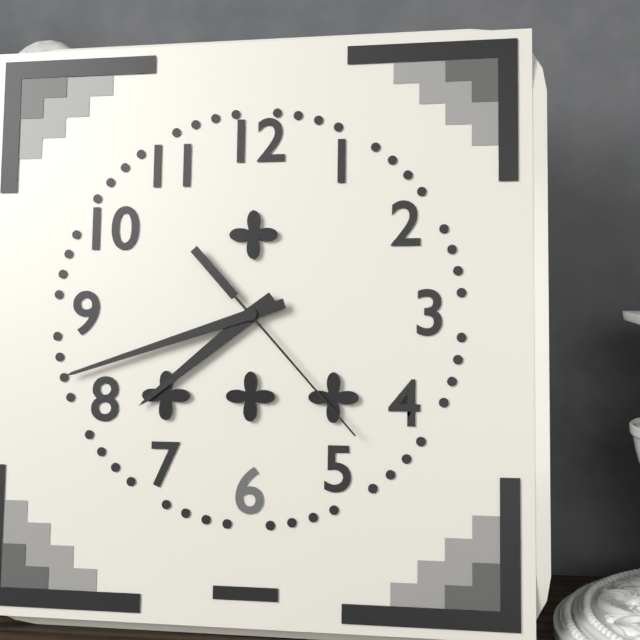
7.42.23
